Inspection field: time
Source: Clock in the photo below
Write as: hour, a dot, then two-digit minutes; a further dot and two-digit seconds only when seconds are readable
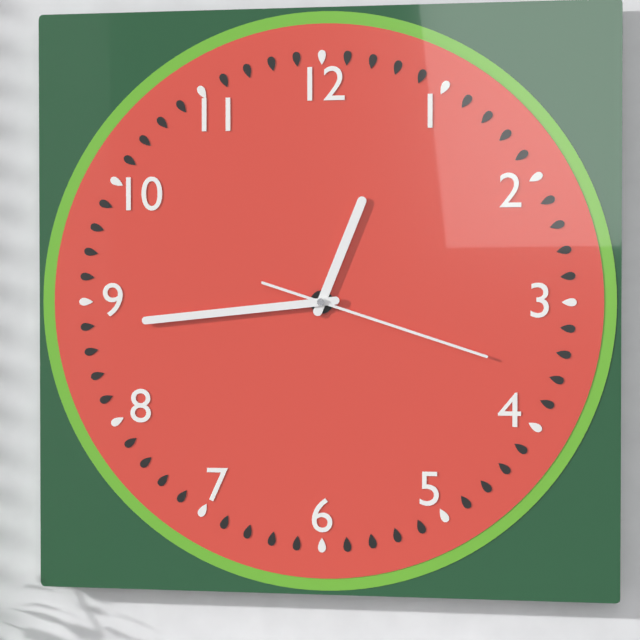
12.44.18
